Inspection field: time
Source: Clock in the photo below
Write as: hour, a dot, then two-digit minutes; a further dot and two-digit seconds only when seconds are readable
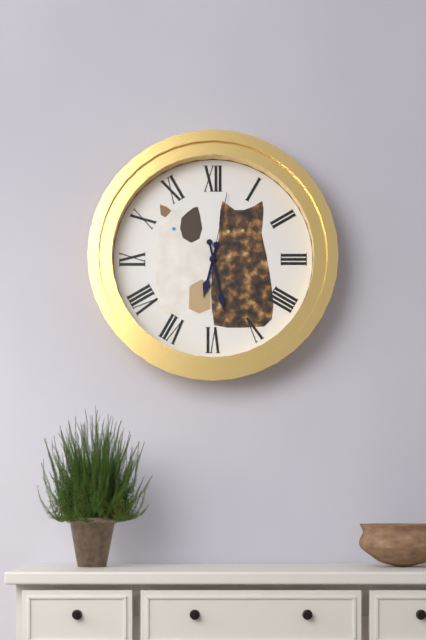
6.28.02
